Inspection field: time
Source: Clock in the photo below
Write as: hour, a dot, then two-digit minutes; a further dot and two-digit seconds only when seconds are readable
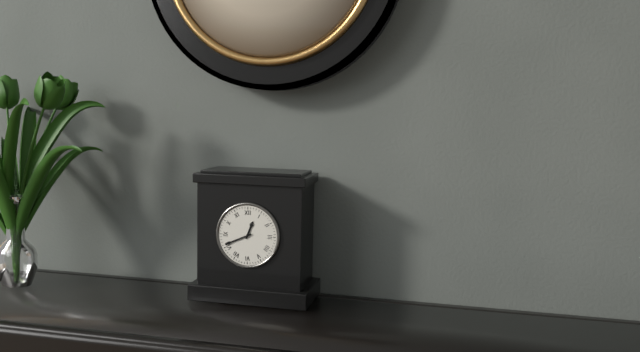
12.41
